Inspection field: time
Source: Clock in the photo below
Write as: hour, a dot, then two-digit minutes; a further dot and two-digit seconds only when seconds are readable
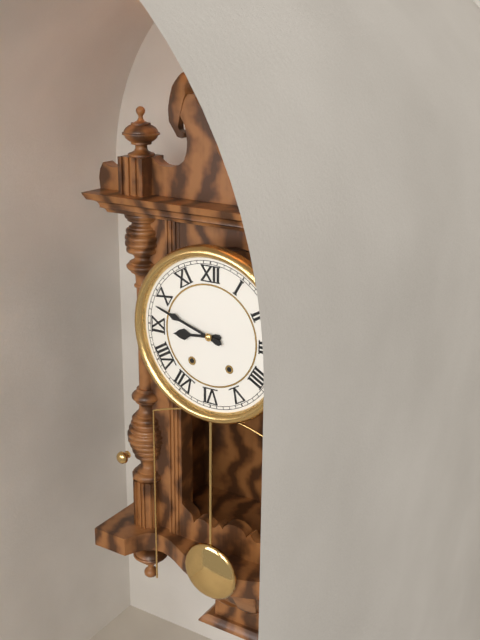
8.48
